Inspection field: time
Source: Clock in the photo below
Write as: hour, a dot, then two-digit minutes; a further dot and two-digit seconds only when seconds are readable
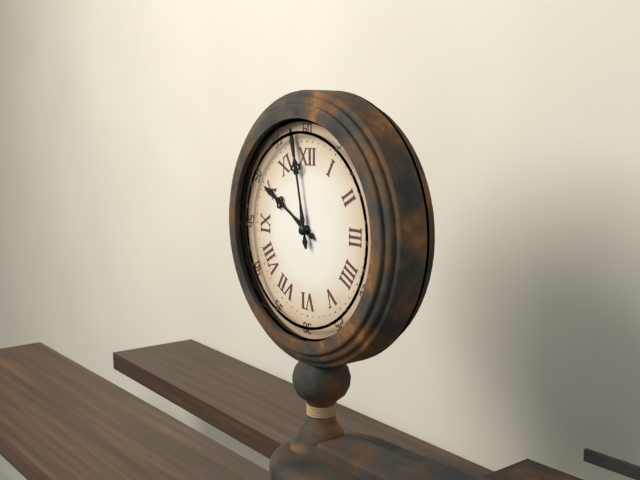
9.58
